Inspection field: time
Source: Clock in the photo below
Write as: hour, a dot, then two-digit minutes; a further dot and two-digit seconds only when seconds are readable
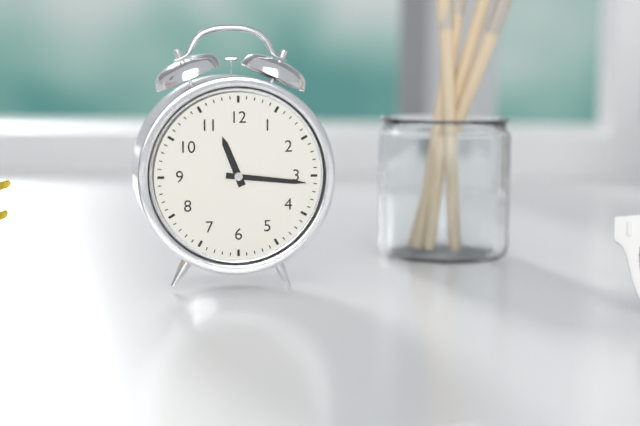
11.16
